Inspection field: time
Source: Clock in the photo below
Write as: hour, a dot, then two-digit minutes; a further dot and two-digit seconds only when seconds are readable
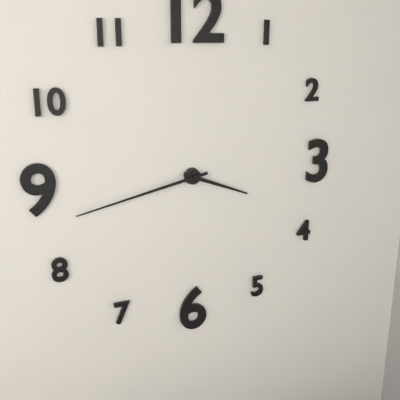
3.43
